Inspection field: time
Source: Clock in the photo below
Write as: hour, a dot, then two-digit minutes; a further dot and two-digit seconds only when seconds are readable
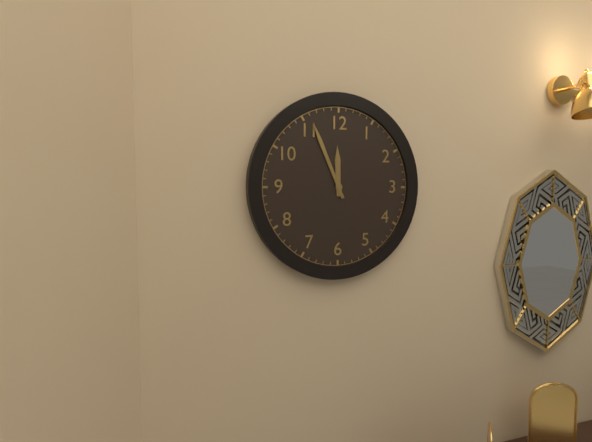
11.56
